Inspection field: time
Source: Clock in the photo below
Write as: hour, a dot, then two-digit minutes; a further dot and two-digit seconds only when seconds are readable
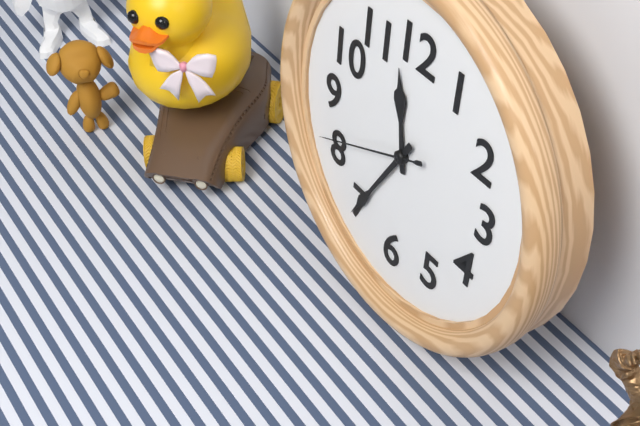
11.35.41
